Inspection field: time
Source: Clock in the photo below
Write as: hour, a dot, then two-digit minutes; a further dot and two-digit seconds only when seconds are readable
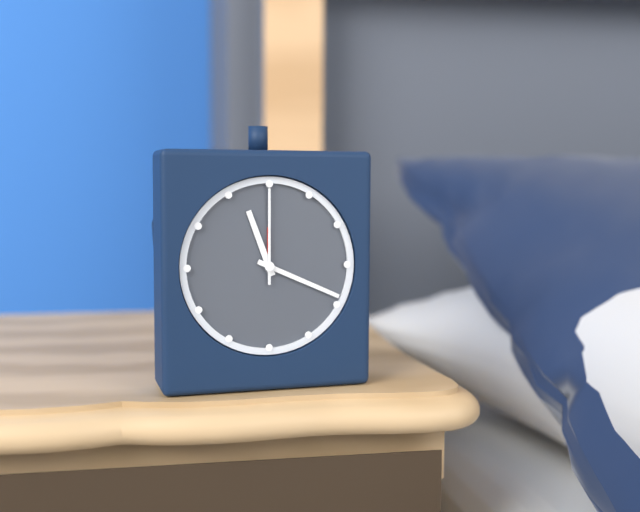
11.19.00
